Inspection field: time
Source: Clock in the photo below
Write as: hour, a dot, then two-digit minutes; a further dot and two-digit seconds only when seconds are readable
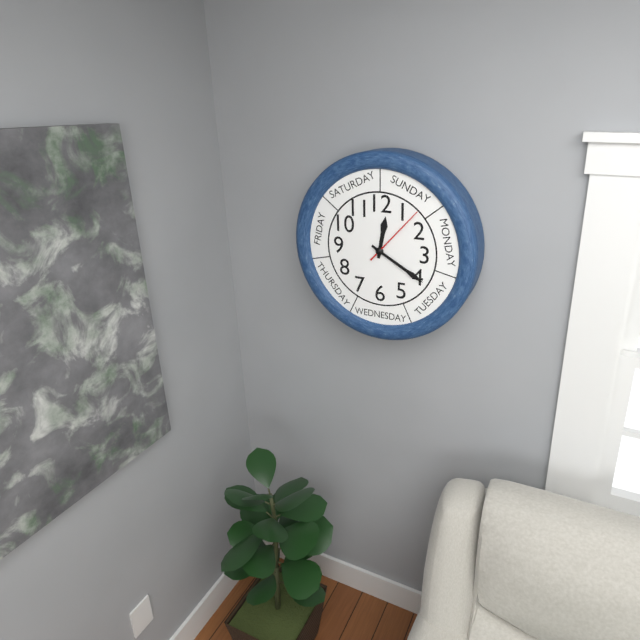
12.20.07
